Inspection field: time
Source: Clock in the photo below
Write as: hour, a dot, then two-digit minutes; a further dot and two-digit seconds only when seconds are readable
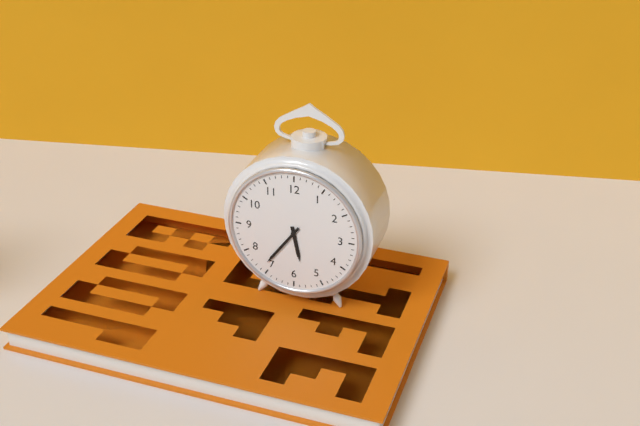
5.36
